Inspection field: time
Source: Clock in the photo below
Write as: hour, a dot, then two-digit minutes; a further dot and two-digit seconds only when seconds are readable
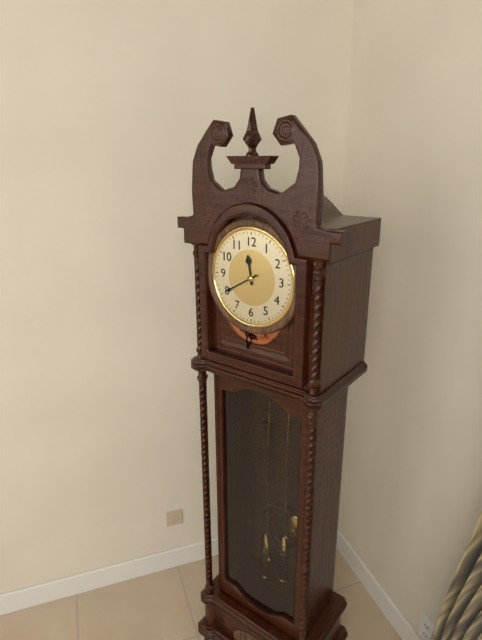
11.40
